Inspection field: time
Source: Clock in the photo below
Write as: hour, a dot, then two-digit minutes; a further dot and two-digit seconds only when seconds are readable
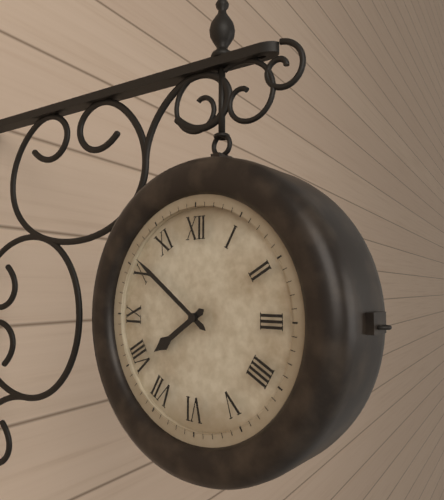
7.51
